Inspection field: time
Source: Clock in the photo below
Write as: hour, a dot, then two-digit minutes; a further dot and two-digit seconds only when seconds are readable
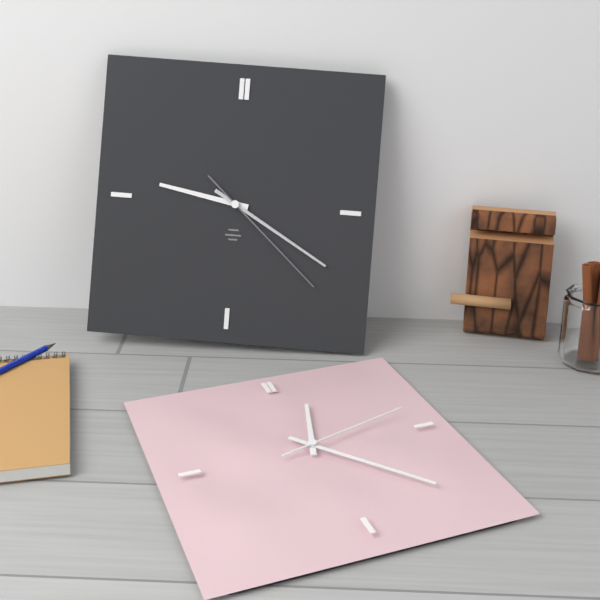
9.20.22
